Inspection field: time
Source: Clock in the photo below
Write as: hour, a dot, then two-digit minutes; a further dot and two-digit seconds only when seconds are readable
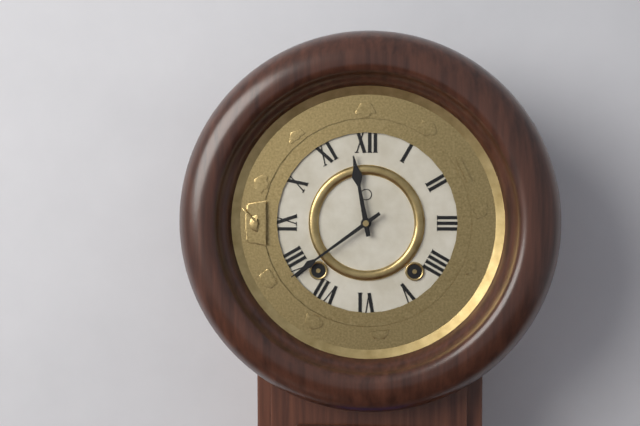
11.39
